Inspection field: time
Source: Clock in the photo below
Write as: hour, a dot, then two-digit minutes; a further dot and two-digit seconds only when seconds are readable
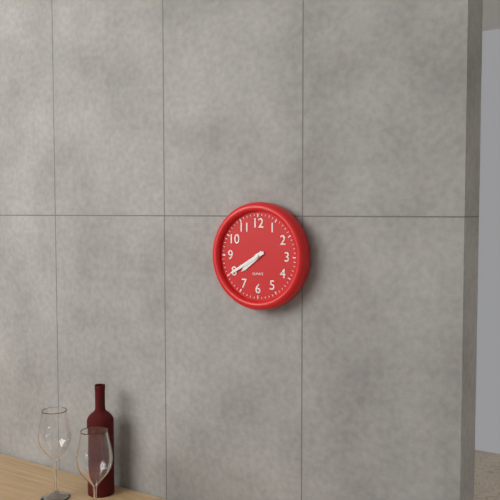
7.40
